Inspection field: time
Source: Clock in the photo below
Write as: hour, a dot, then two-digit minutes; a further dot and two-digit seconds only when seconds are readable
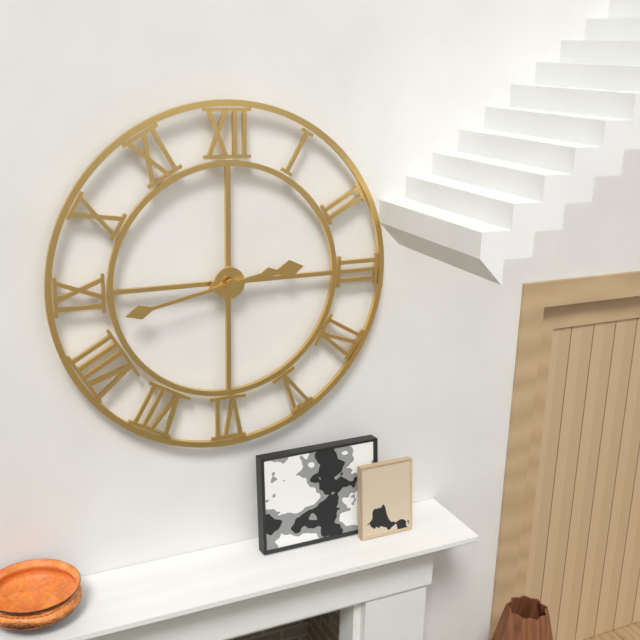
2.43
